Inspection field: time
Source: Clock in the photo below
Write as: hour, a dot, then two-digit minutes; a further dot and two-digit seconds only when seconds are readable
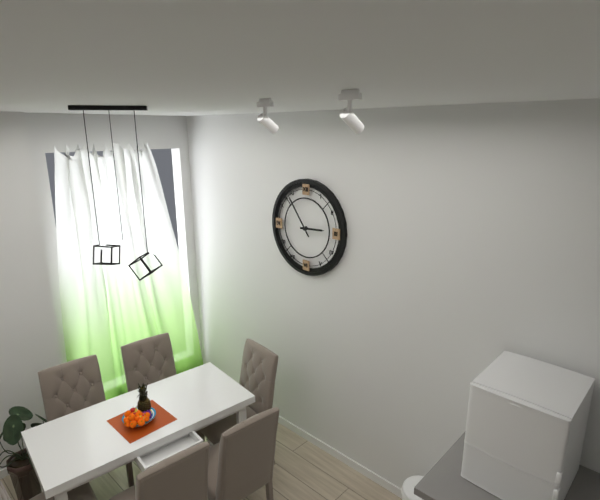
2.54
